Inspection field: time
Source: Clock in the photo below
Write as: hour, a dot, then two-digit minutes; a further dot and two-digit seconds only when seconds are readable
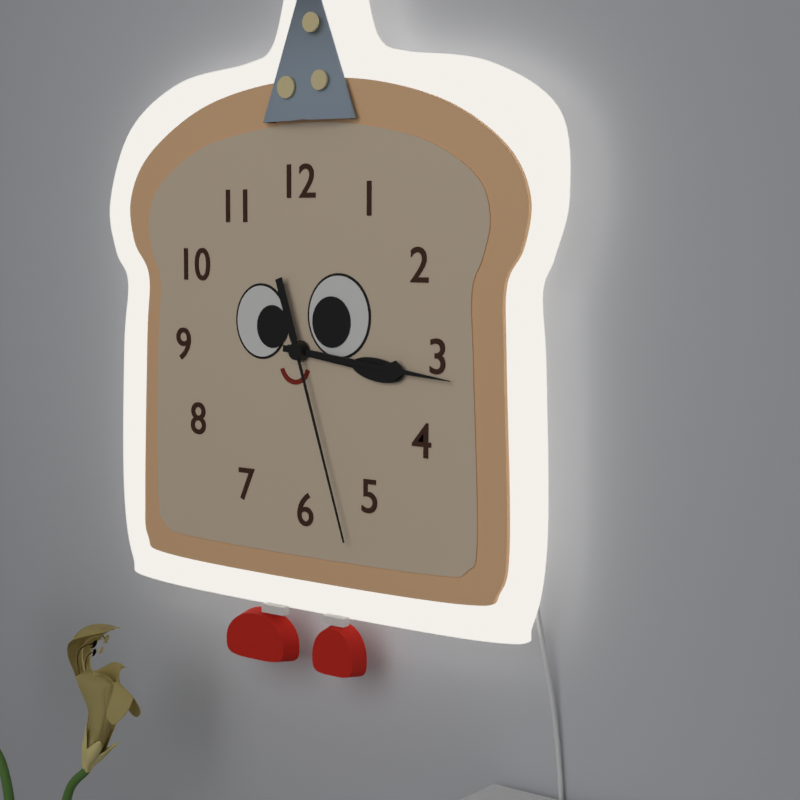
3.16.27
